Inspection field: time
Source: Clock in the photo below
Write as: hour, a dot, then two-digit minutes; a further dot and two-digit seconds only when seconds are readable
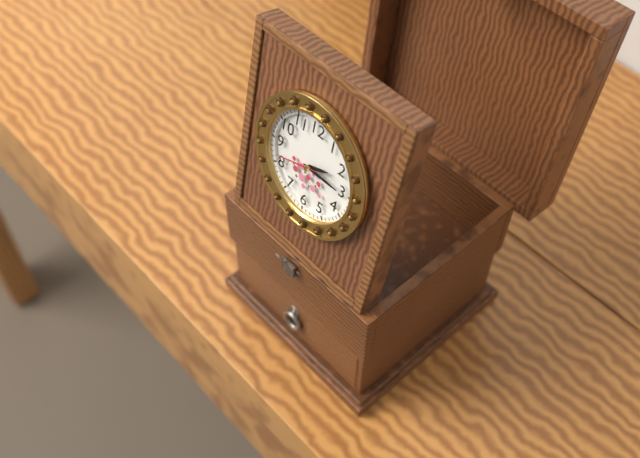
2.15
